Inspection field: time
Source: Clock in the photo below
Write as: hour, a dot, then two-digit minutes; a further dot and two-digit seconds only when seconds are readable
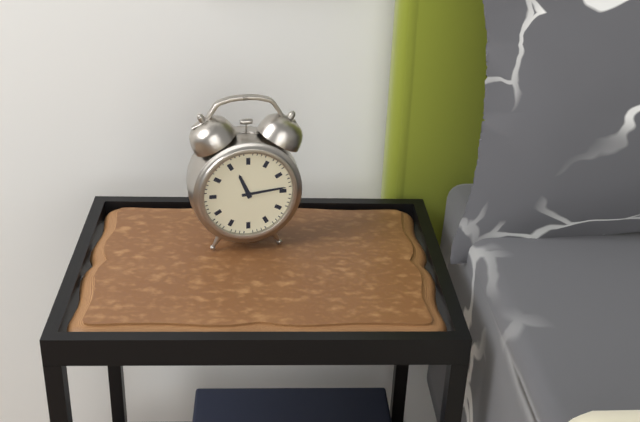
11.14
